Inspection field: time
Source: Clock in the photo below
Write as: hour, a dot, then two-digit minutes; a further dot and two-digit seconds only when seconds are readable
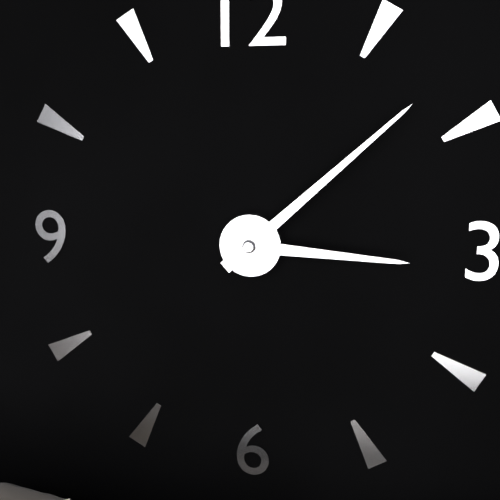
3.08
